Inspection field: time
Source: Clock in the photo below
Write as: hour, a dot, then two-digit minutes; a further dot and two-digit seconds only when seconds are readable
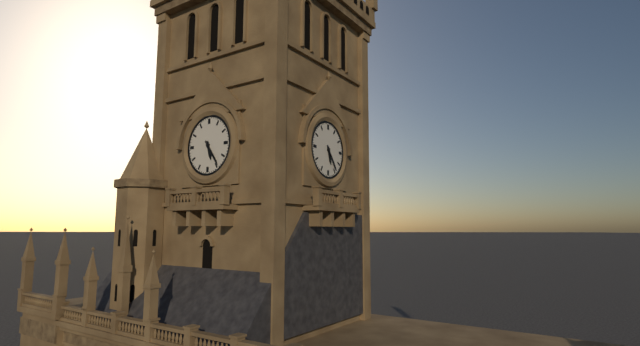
5.24
